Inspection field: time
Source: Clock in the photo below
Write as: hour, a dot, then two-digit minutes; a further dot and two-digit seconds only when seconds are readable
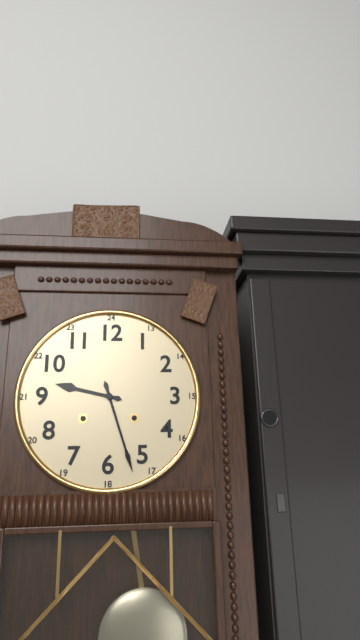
9.27
